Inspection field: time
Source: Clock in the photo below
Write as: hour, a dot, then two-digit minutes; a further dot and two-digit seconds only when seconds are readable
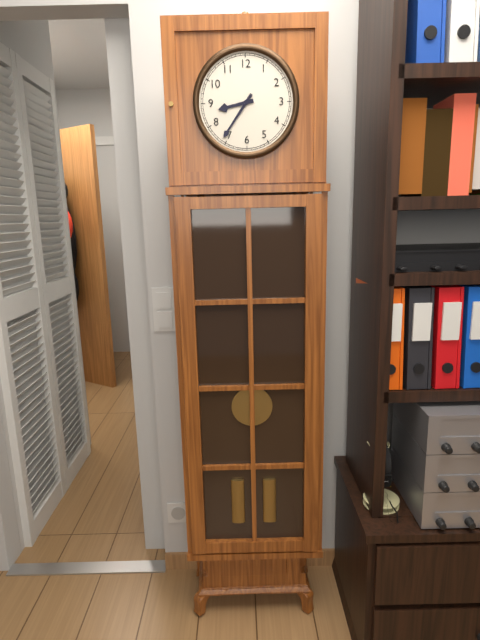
8.36
